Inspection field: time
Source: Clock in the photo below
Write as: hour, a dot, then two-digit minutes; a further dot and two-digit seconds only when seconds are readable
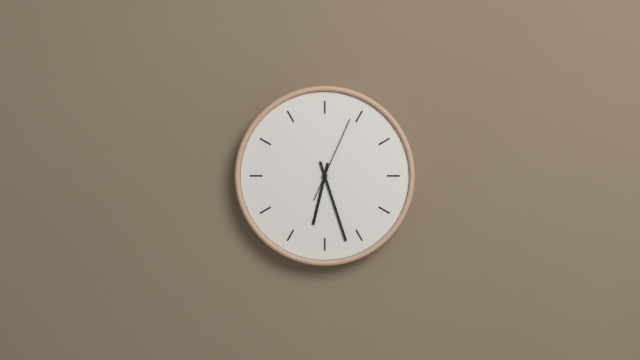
6.27.04
